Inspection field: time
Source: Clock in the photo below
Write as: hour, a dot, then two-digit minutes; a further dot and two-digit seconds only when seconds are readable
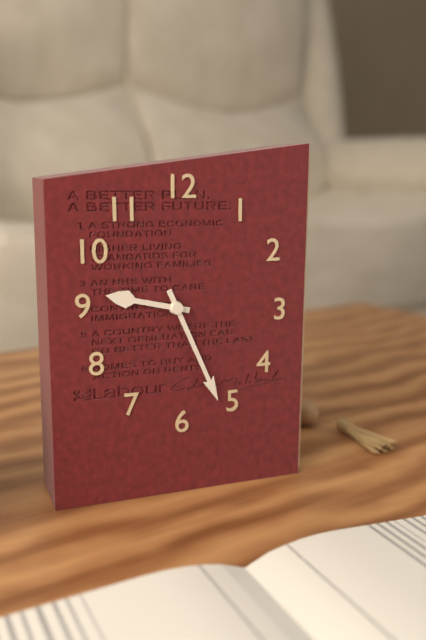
9.26
